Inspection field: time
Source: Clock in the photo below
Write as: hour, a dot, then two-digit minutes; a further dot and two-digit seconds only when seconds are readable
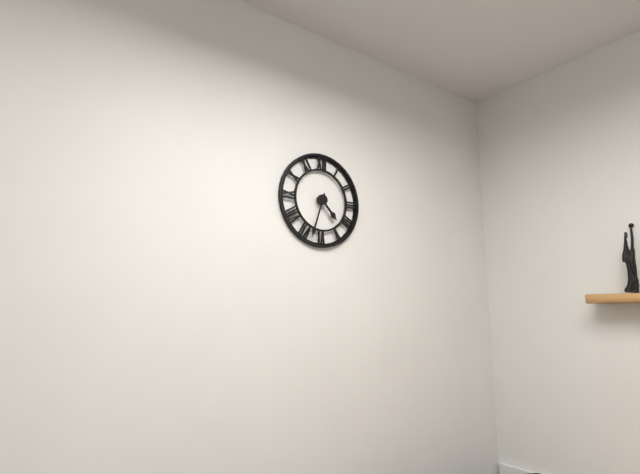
4.33
